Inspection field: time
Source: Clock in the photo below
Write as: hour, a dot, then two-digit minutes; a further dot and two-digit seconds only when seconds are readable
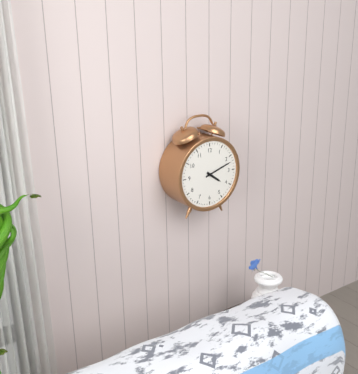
4.12
